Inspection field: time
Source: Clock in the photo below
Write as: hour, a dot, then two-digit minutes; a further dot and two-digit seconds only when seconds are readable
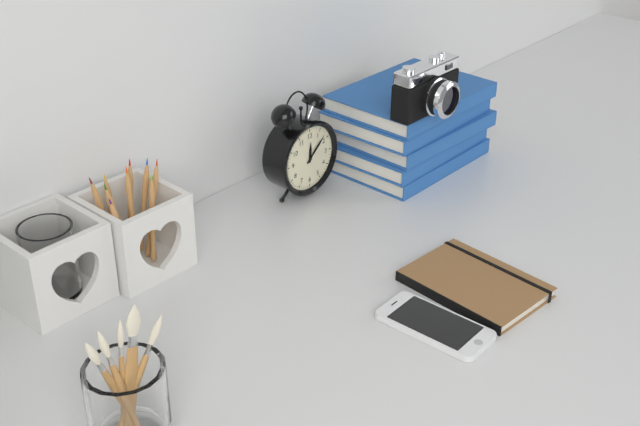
12.08
